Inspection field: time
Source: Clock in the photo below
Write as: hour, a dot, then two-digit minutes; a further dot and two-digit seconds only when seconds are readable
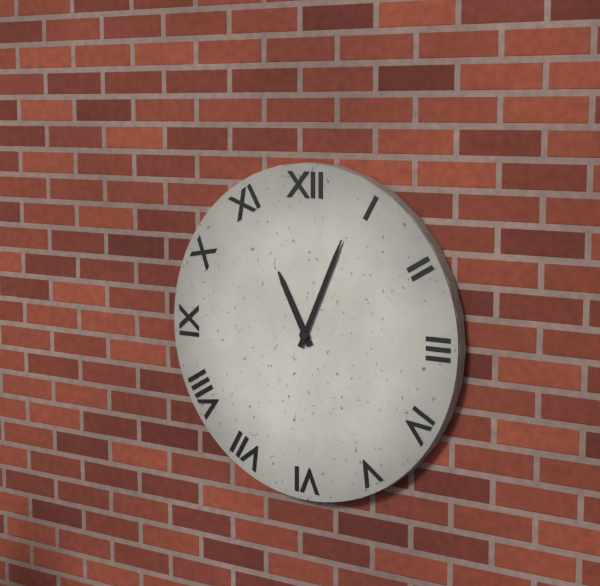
11.04
